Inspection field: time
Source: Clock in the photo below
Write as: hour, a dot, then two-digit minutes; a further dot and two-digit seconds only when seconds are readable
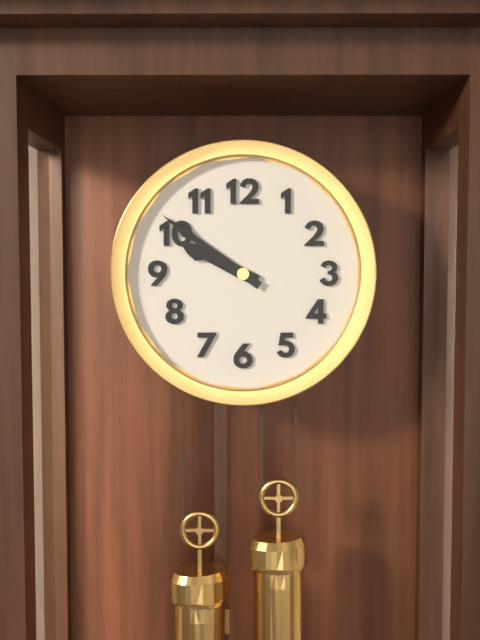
9.51
